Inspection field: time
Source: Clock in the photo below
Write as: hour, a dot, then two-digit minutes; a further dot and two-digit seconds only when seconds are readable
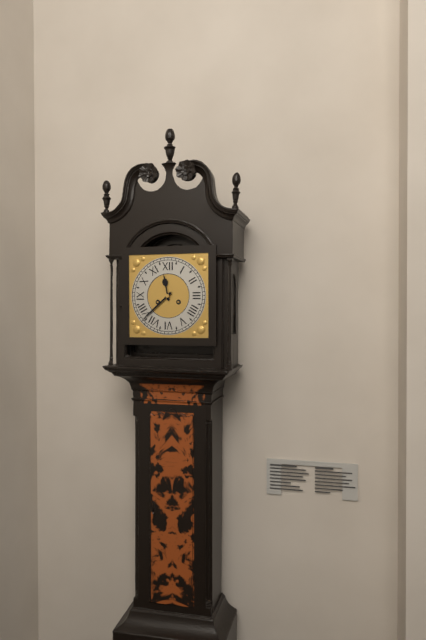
11.38
